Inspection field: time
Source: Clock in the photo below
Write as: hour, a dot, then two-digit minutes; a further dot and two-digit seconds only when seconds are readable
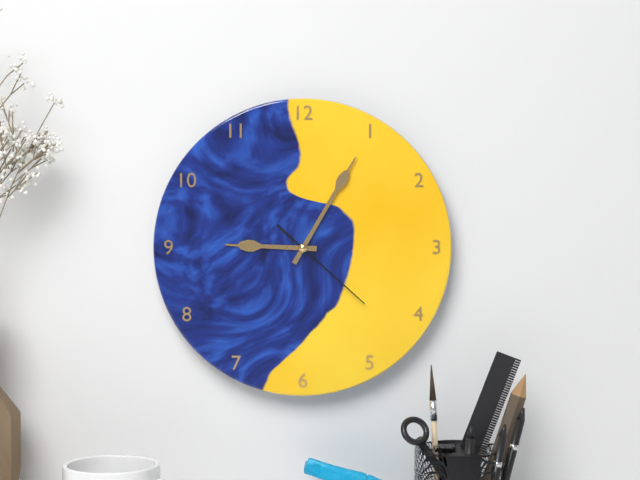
9.05.22
